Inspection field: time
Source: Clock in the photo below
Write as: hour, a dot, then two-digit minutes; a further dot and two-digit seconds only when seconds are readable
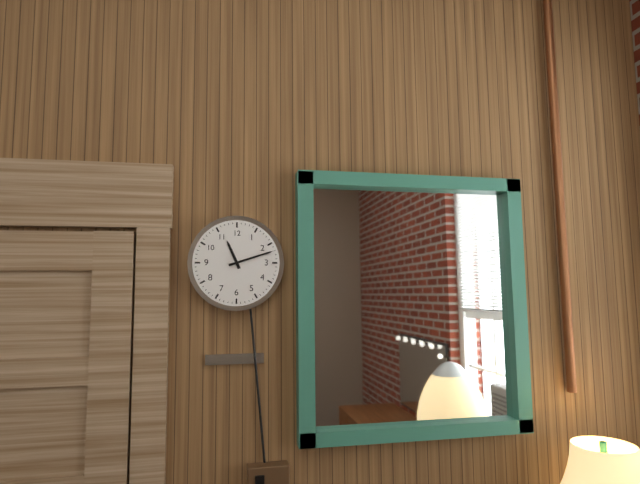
11.12
